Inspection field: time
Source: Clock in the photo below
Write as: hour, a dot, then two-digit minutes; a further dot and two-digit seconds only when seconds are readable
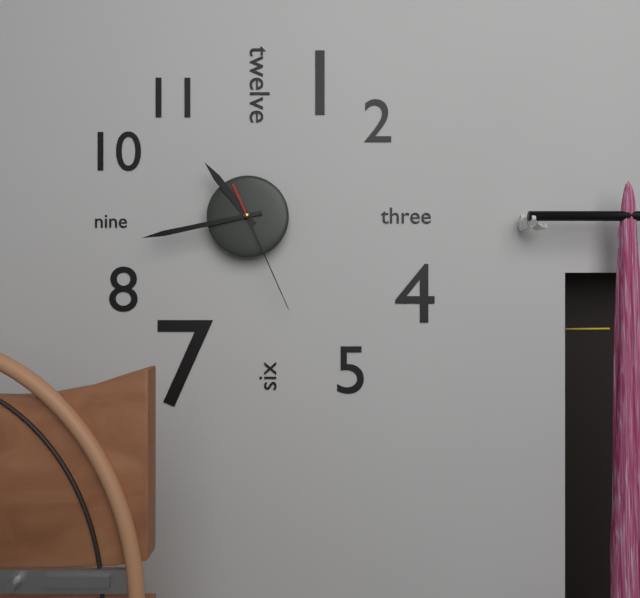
10.43.26
